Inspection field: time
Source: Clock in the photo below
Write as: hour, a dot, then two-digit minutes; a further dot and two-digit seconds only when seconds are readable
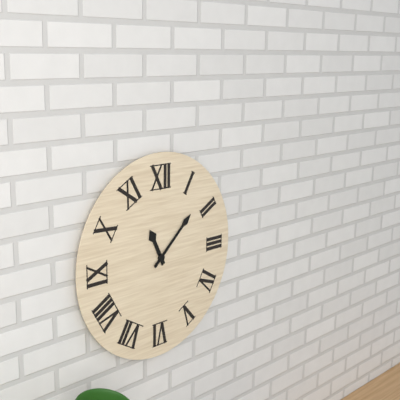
11.08
